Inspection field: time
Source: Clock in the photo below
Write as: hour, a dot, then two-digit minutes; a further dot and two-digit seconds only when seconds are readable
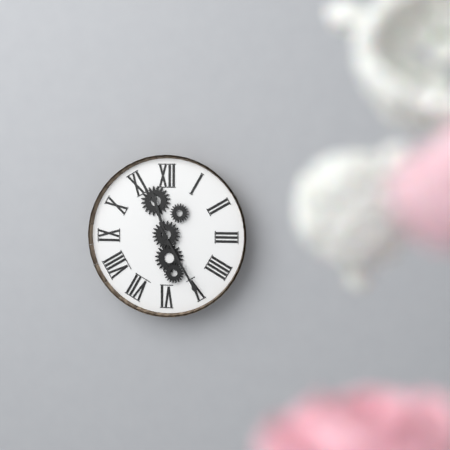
11.25
